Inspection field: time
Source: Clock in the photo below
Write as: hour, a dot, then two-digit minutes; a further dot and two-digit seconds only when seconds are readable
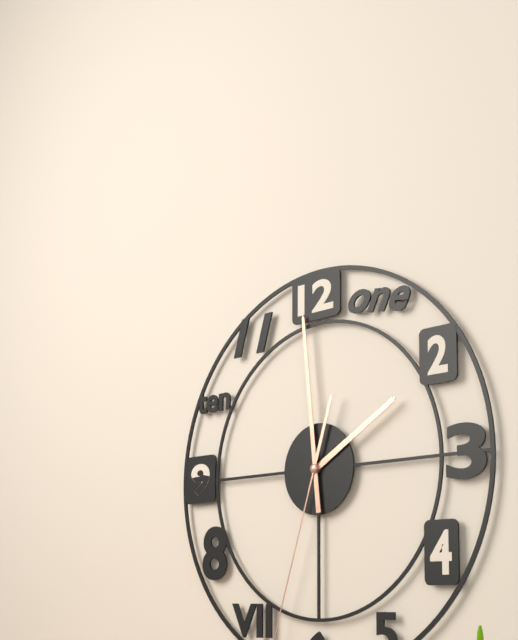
1.59.33
